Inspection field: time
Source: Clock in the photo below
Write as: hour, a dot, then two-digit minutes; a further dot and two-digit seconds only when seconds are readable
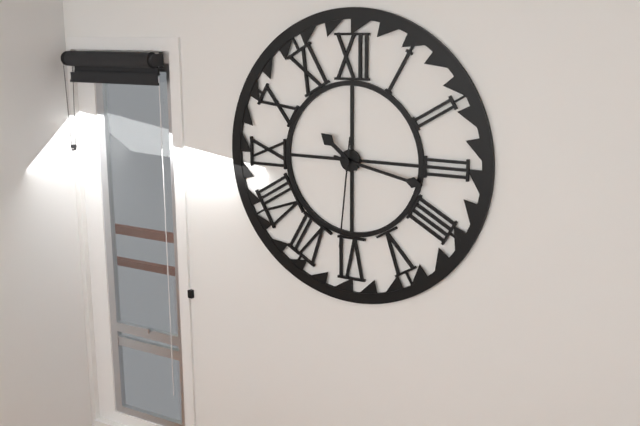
10.17.31
